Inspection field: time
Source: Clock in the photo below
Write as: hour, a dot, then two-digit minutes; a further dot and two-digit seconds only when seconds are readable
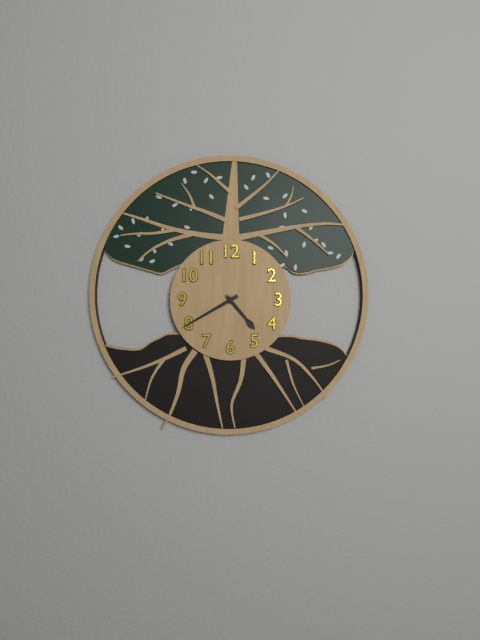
4.40
